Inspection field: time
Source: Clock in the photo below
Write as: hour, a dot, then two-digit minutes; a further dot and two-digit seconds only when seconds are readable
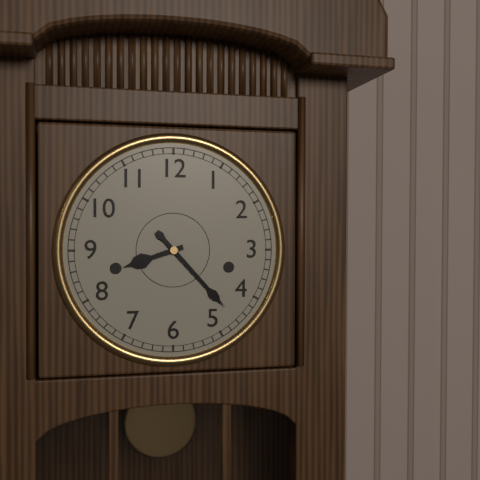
8.23
